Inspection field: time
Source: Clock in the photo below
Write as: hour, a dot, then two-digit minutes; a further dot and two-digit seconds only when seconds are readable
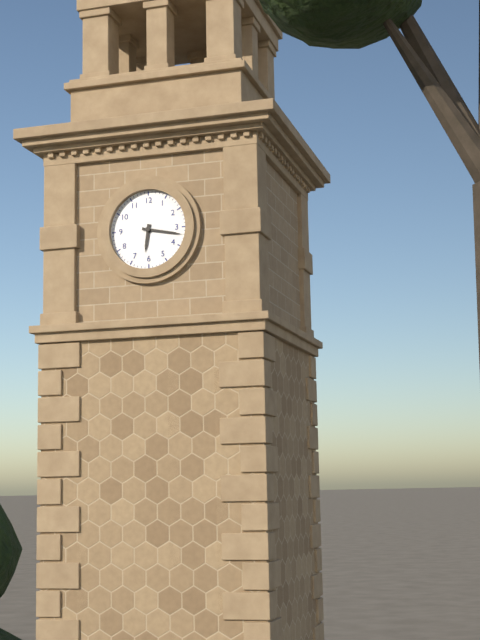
6.17
